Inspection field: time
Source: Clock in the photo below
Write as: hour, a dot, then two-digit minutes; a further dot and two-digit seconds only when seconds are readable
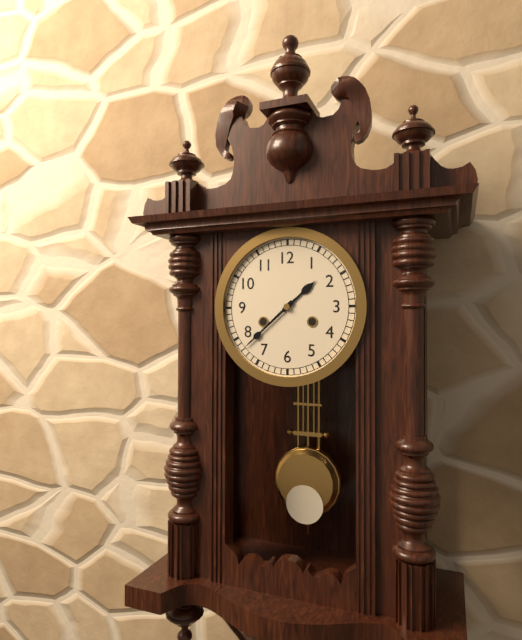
1.38
